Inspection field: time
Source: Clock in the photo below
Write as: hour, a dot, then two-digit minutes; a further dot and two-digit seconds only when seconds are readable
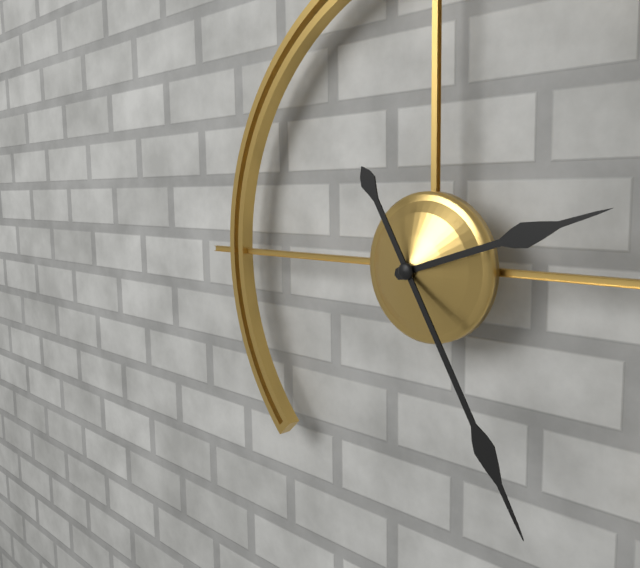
2.25
